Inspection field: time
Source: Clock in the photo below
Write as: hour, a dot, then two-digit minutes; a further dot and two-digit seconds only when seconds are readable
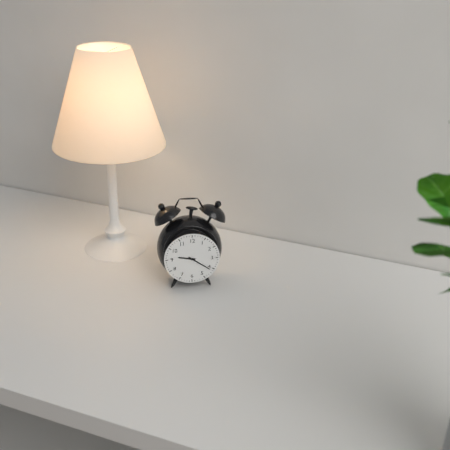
9.21
